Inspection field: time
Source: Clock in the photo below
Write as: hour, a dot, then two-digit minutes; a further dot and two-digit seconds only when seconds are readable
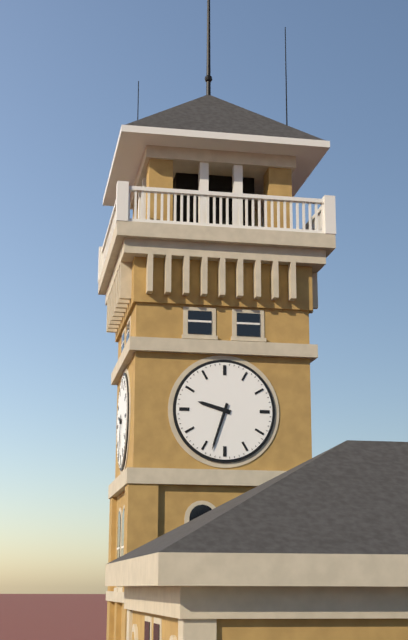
9.33
